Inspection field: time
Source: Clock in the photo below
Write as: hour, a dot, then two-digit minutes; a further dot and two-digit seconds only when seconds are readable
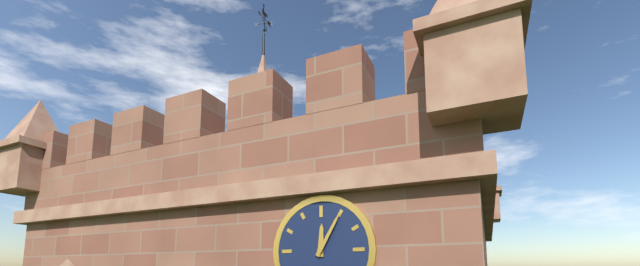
12.05
